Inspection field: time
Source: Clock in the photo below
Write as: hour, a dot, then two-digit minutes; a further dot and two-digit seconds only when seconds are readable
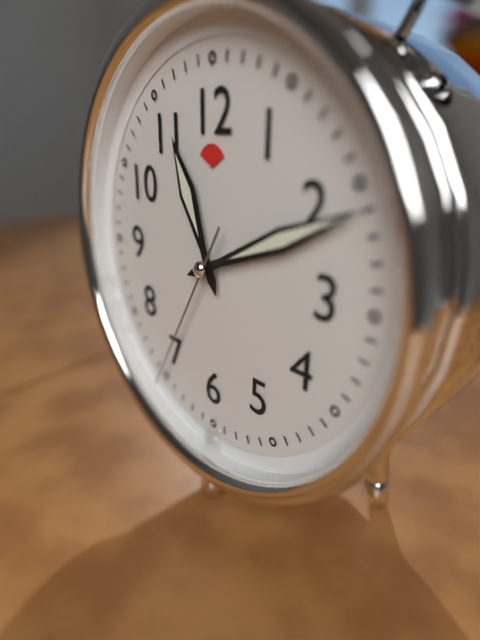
11.11.35
